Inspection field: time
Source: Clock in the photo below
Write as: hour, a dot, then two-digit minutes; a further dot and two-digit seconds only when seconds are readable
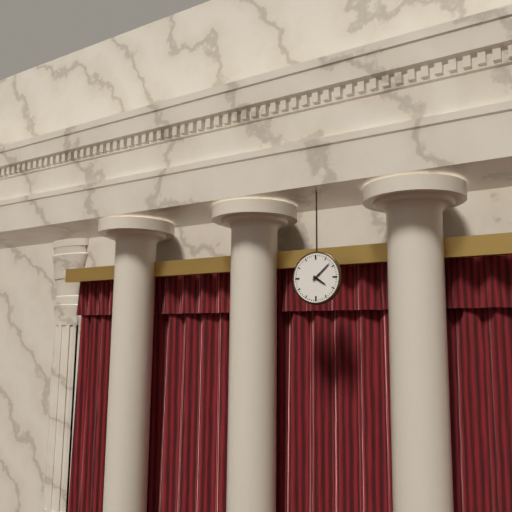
4.08
